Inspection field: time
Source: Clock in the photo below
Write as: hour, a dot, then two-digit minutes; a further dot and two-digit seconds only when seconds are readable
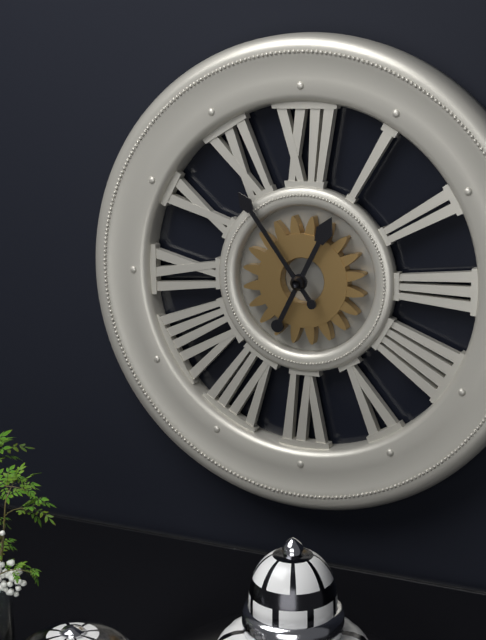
12.54
